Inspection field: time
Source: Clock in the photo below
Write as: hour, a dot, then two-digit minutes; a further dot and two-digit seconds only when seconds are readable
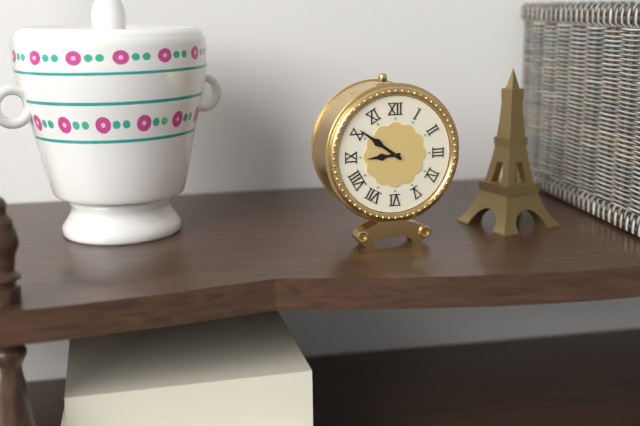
8.51
